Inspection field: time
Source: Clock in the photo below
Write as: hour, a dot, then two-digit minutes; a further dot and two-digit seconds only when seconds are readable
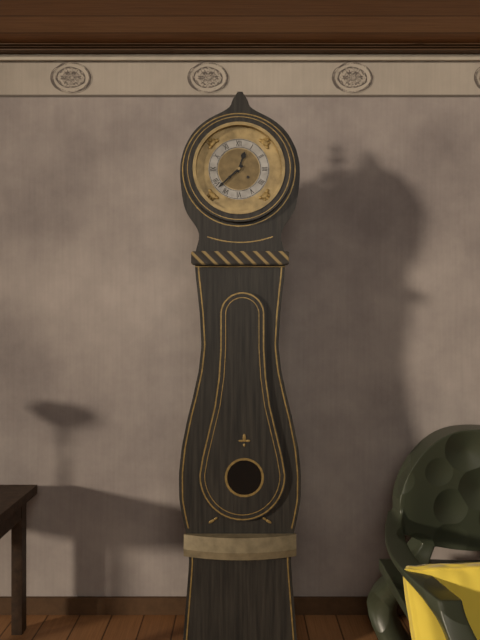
12.38
